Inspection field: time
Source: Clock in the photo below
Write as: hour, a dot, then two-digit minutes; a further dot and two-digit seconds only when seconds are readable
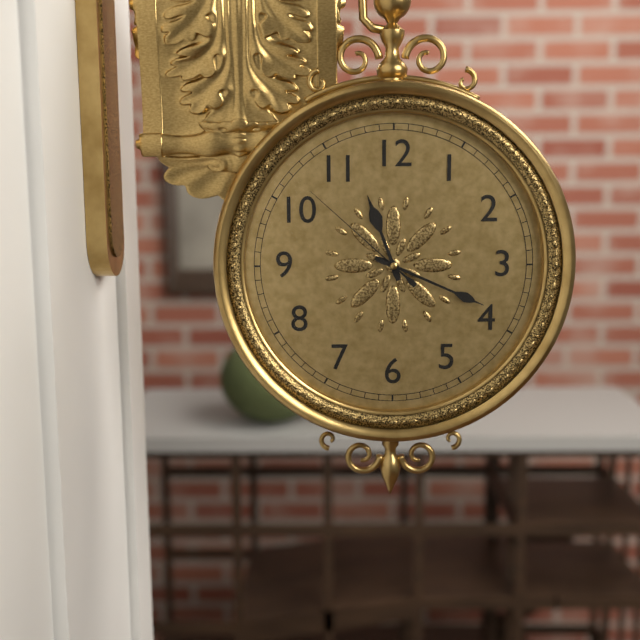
11.19.52
